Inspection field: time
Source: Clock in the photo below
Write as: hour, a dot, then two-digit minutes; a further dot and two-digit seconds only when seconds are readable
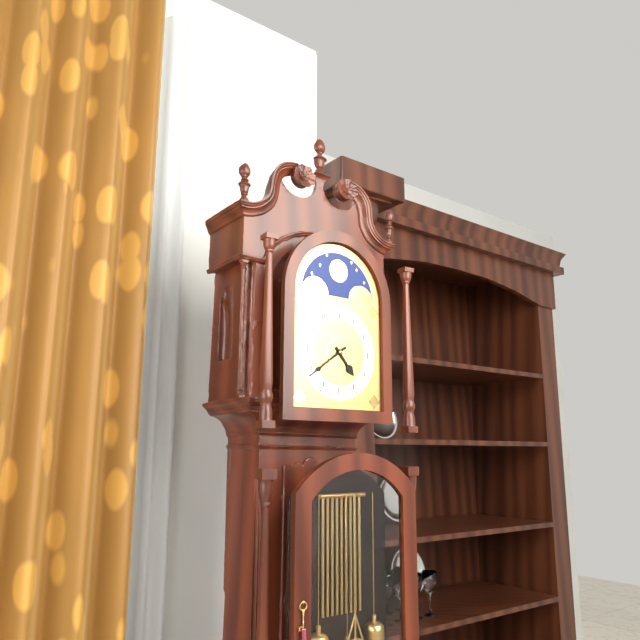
4.39
